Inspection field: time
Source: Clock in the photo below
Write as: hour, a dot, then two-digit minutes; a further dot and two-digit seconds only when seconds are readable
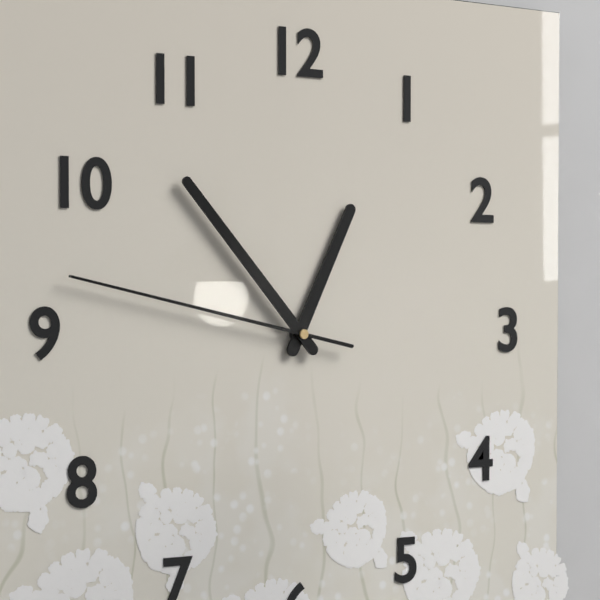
12.53.47
